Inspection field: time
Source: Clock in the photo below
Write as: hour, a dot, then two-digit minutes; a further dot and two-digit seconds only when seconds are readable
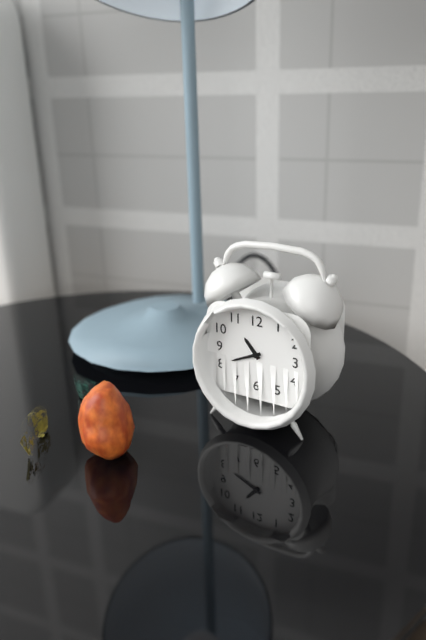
10.41
